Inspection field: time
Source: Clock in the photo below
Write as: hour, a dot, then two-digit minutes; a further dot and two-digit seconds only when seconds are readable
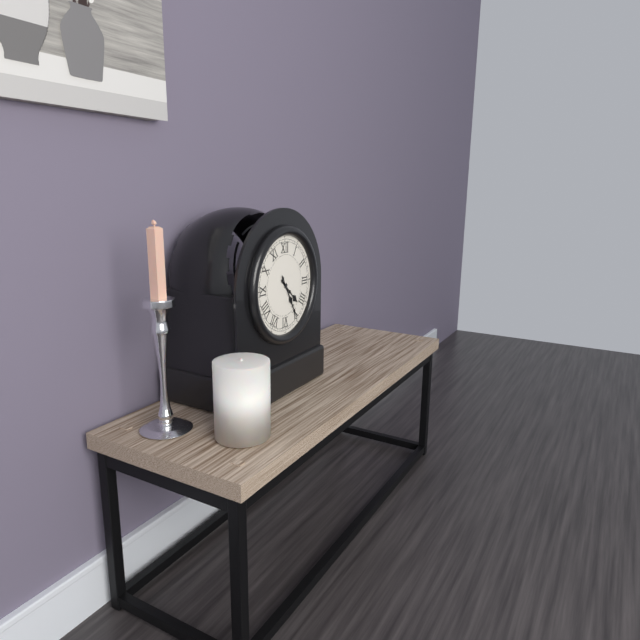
4.25
